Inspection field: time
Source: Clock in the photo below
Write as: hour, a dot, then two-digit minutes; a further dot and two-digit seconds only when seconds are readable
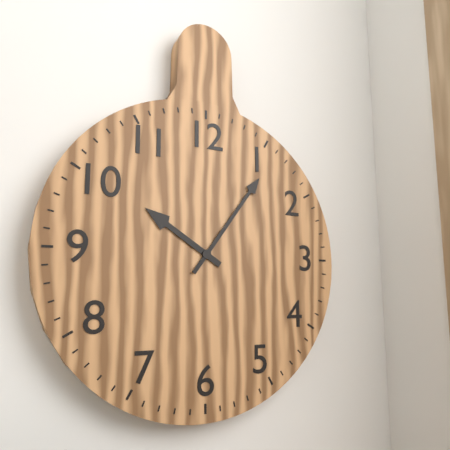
10.06
